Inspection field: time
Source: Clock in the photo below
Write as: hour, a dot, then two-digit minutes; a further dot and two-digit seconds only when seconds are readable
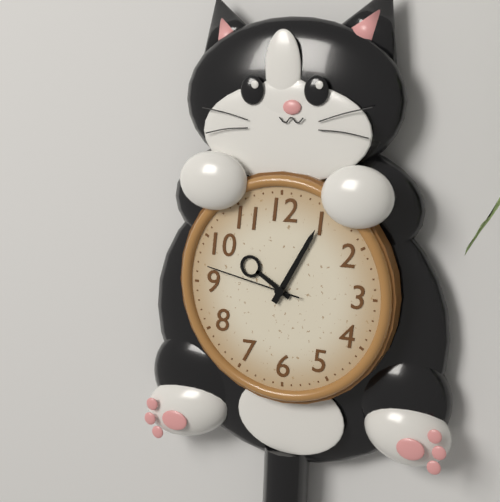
10.05.47
